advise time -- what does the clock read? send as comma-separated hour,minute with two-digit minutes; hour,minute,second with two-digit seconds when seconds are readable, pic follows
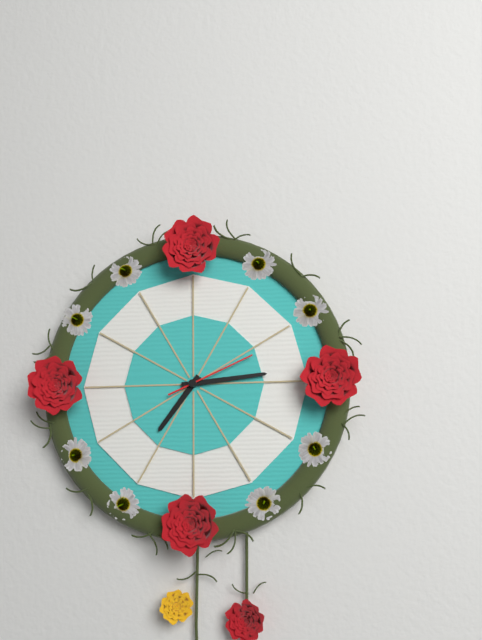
7,14,11
